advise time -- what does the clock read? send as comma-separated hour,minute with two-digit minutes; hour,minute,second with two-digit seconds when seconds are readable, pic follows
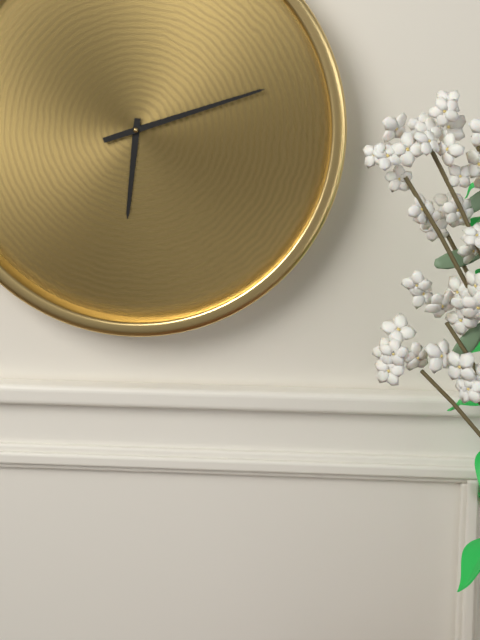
6,12
